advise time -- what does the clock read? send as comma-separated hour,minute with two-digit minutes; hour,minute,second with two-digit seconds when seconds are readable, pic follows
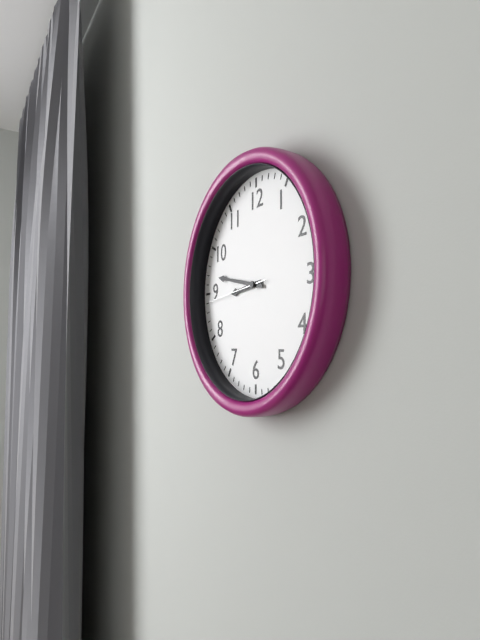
8,47,44
